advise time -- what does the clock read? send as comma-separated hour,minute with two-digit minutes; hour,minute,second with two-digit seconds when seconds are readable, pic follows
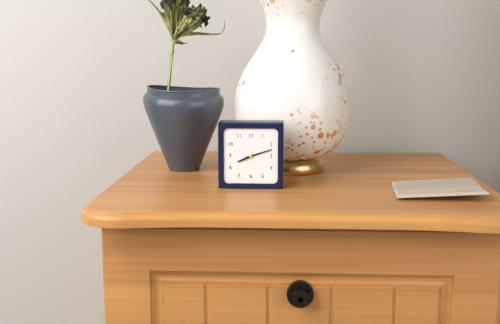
8,12
